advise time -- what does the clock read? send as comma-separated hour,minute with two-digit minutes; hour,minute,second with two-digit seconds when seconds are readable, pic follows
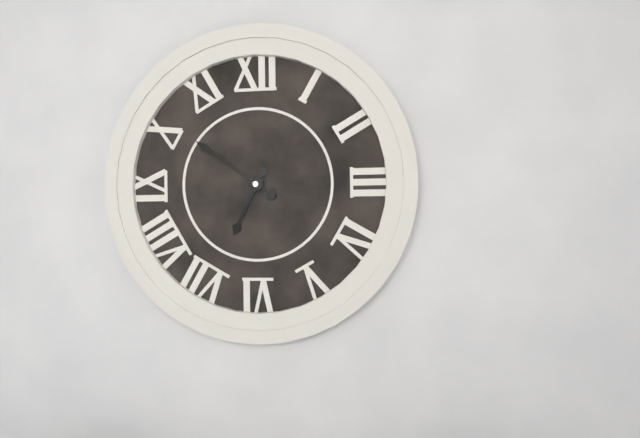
6,51
